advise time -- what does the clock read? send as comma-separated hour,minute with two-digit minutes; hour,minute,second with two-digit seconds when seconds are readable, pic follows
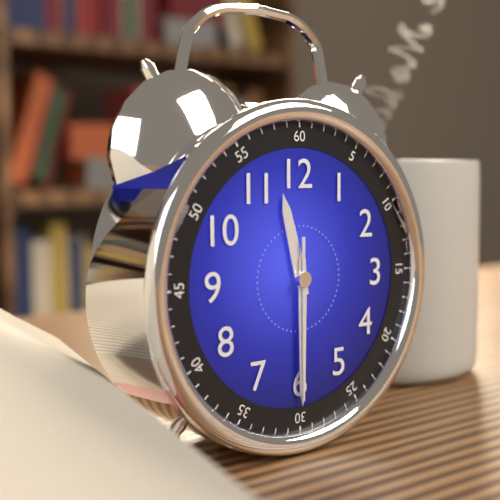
11,30,30
